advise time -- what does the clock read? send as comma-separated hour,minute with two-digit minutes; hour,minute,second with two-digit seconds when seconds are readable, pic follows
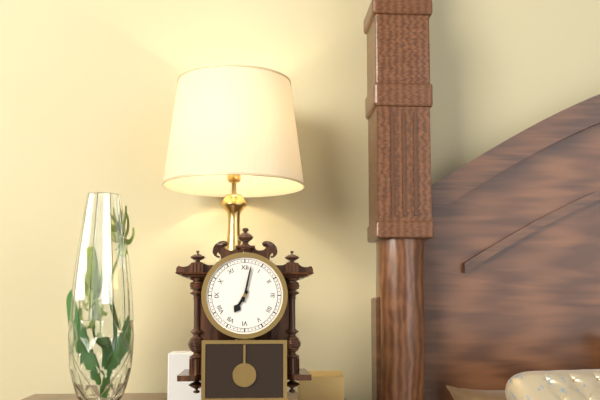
7,02
